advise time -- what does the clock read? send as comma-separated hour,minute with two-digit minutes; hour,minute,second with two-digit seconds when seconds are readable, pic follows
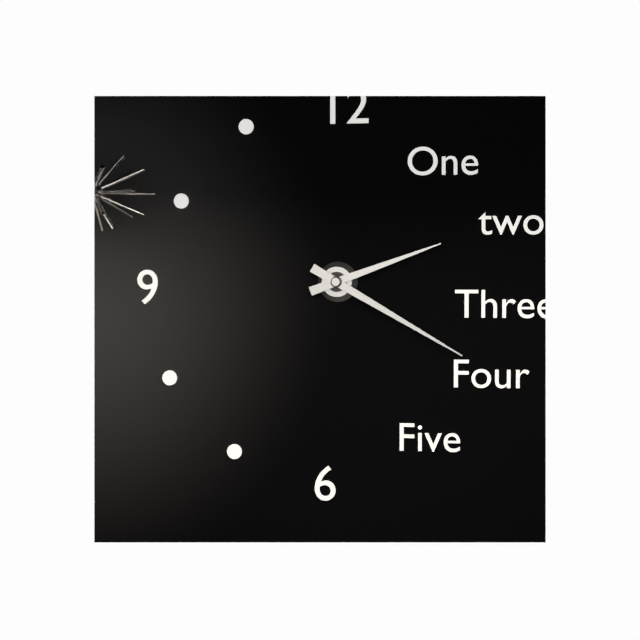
2,20
